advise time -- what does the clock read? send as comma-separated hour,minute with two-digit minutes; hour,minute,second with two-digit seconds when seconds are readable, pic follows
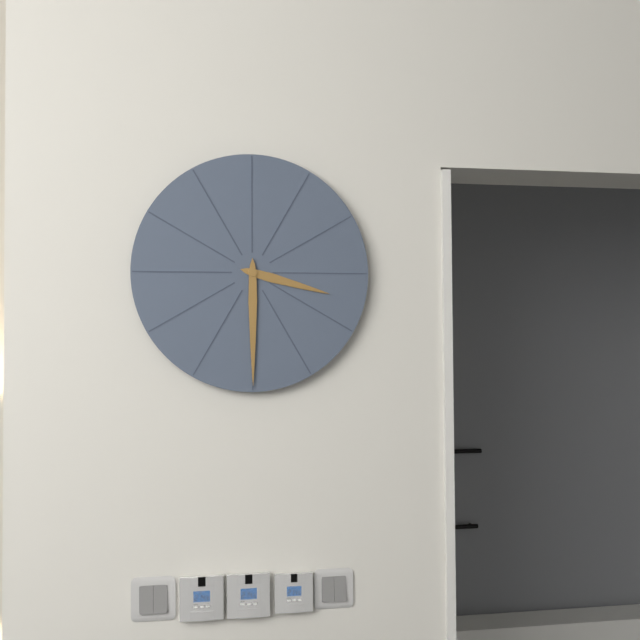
3,30
